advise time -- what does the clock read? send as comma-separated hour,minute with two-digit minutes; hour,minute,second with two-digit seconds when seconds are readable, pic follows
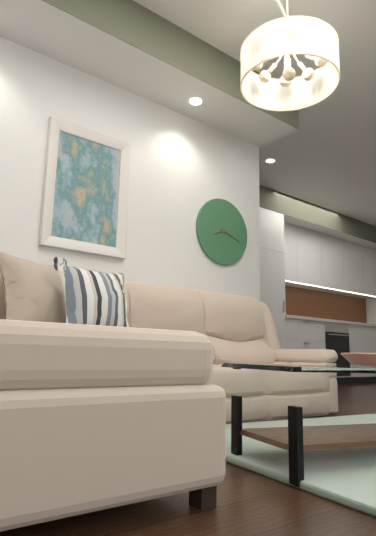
8,18
